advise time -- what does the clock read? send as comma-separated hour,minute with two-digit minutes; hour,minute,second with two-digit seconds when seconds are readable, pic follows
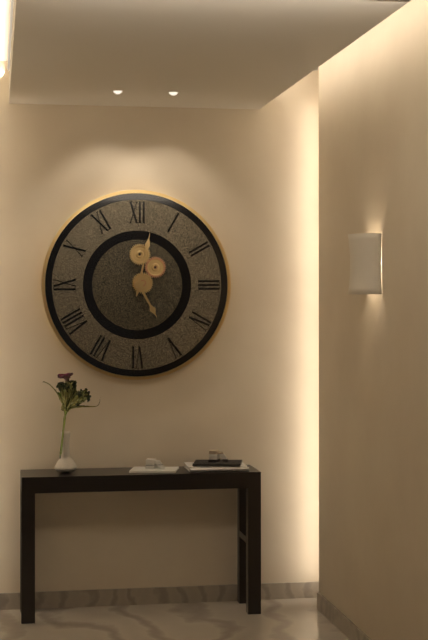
5,02
